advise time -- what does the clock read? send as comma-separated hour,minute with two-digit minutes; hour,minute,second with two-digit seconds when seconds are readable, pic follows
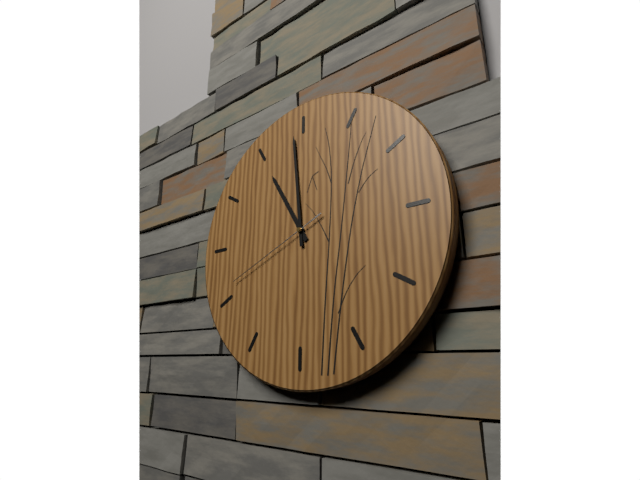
10,59,41
